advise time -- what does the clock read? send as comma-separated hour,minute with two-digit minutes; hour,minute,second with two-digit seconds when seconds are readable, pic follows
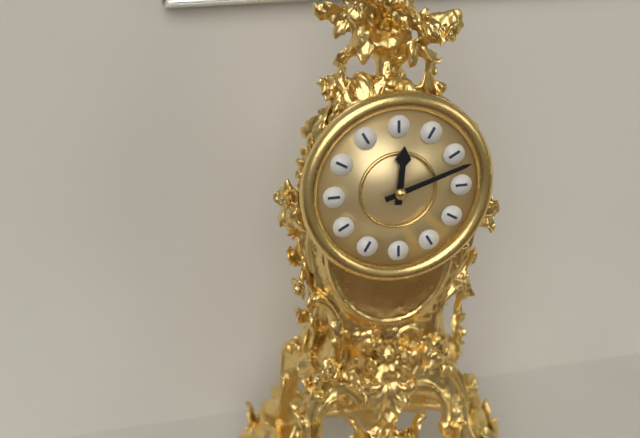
12,12
